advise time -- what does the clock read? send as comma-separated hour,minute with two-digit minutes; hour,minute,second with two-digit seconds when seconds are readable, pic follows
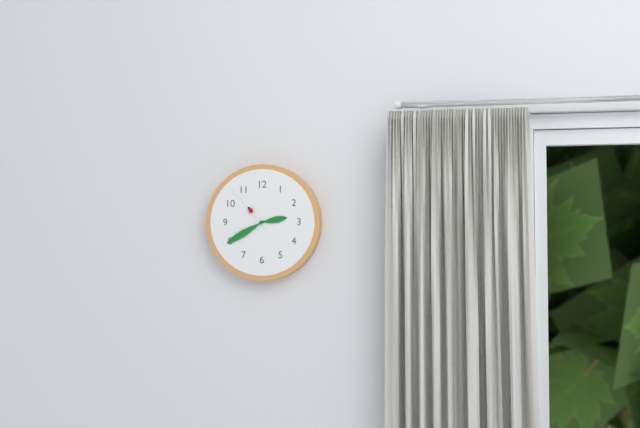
2,40,53
